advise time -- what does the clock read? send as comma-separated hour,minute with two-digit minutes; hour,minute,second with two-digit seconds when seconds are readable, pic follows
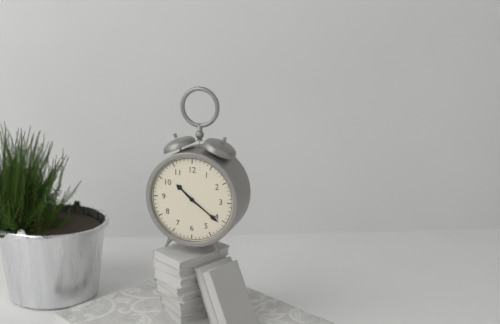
10,21
